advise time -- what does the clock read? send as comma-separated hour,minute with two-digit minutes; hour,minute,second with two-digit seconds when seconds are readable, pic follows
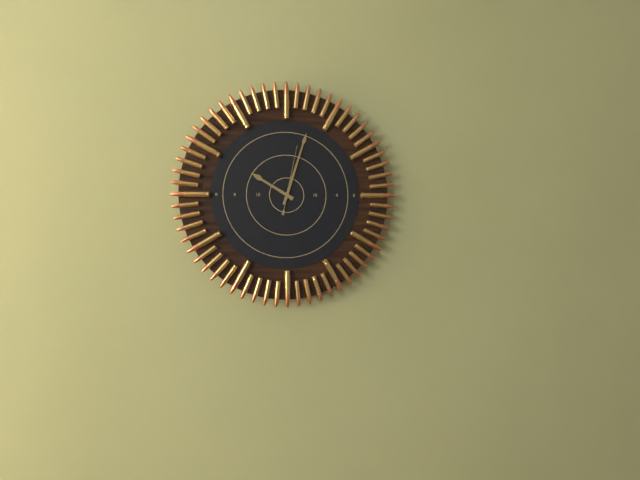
10,03,02
